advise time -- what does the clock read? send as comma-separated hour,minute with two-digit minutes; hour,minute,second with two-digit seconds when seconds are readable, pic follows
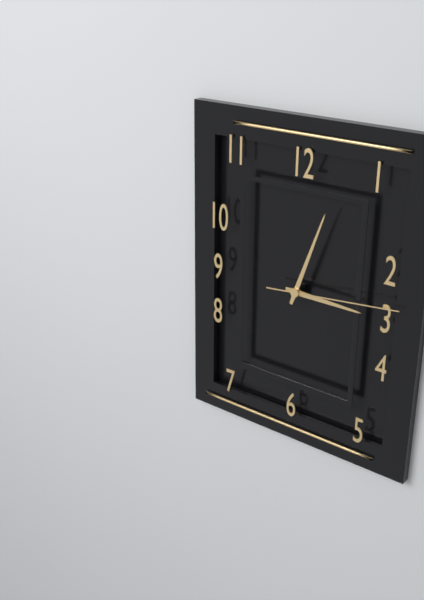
3,03,14
